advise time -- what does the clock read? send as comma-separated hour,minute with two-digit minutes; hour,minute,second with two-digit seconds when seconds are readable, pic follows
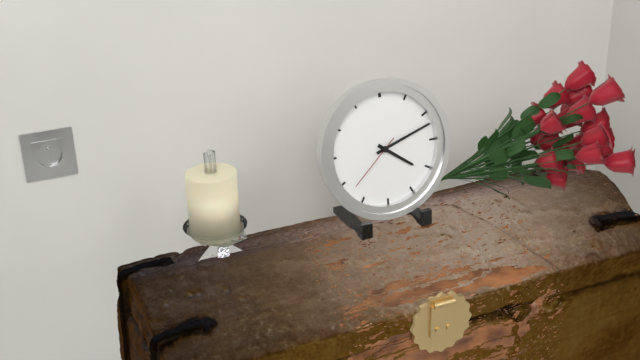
4,12,38
